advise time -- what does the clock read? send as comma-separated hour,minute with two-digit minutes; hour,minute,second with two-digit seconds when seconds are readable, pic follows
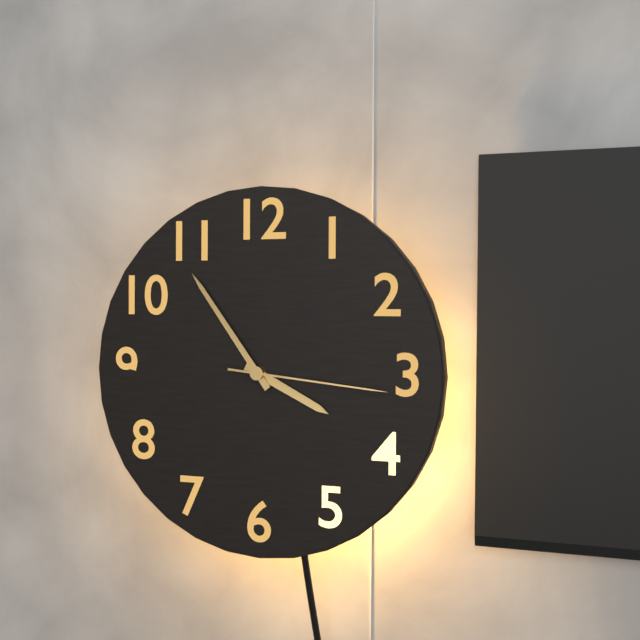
3,54,16
